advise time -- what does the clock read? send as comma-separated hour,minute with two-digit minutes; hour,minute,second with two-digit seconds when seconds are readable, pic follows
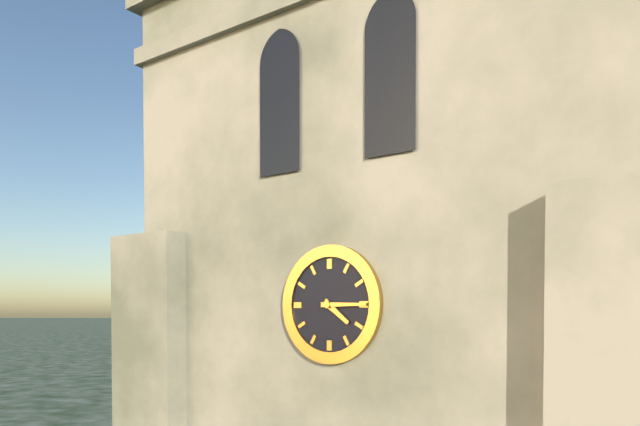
4,15
